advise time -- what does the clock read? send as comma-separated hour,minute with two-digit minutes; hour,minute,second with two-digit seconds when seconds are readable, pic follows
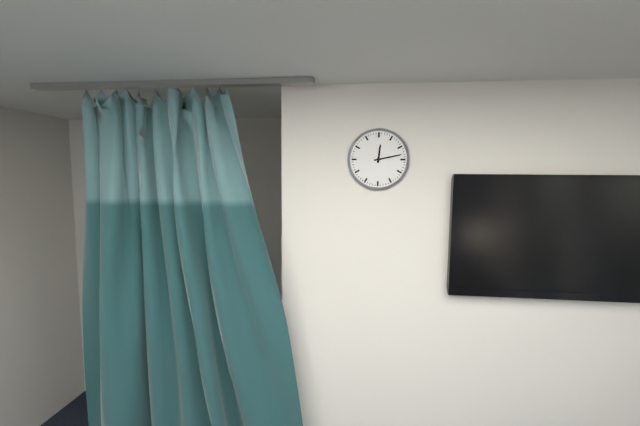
12,13
